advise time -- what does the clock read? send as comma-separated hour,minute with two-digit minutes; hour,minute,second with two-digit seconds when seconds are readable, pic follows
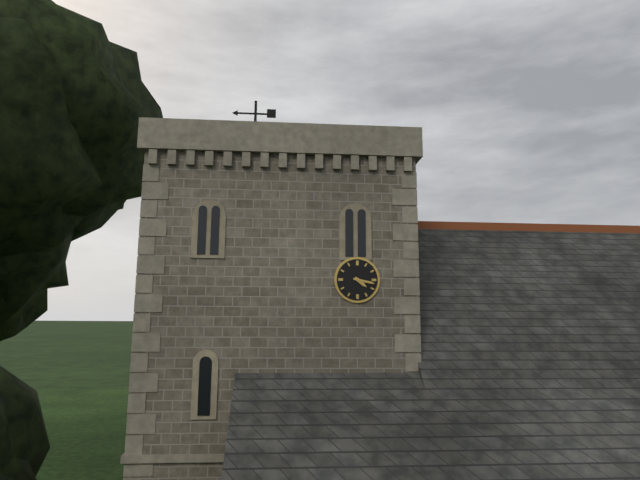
4,17
